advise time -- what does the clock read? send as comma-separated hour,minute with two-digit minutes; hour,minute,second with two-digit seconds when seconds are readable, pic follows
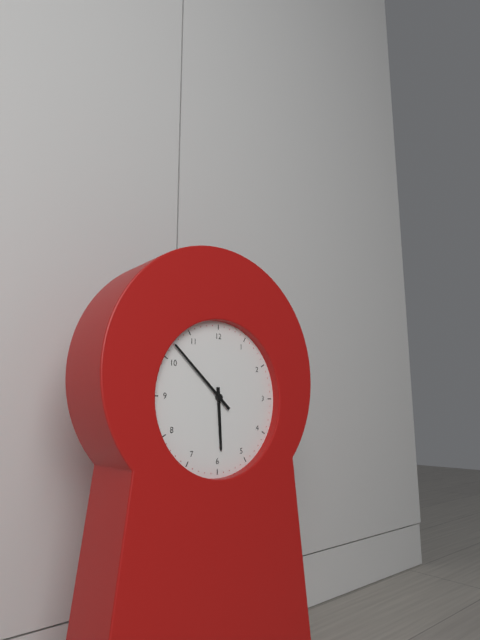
5,52
